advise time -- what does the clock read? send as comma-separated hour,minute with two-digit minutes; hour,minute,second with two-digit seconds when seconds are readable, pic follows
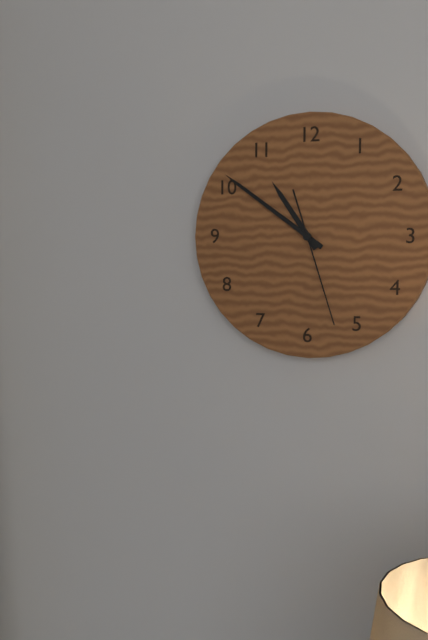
10,51,27
